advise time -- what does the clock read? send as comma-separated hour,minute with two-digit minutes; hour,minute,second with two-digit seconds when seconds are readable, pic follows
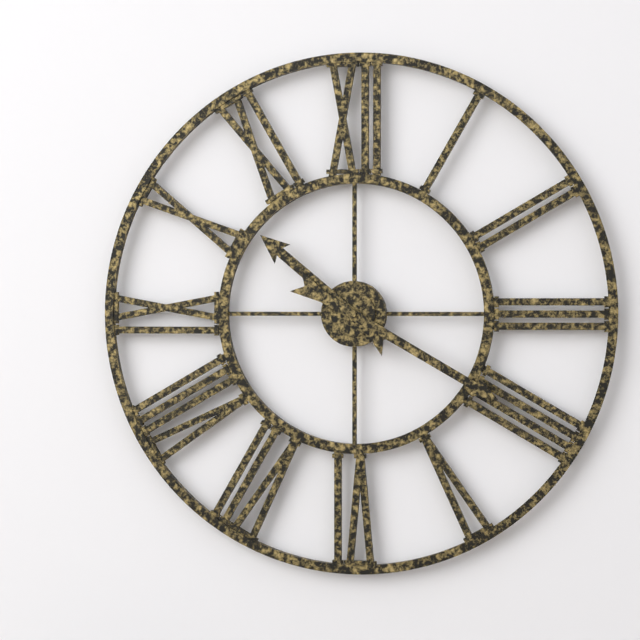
10,20
